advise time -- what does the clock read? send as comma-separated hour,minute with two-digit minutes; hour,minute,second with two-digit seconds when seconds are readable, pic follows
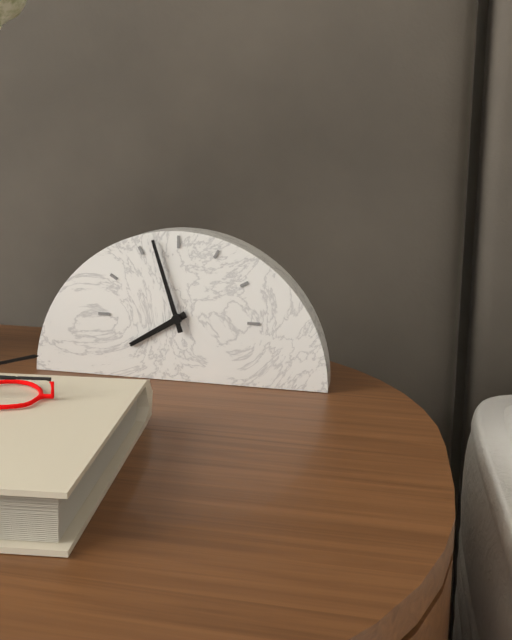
7,57
